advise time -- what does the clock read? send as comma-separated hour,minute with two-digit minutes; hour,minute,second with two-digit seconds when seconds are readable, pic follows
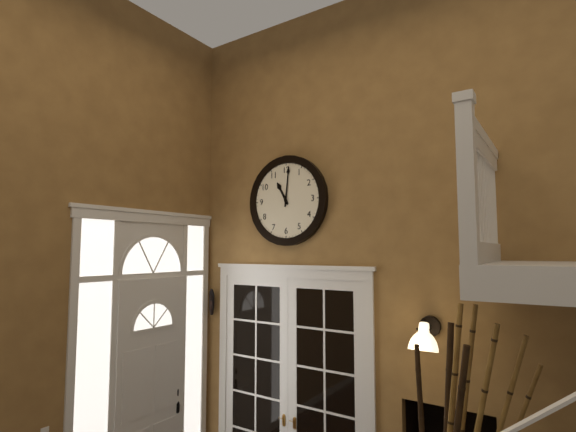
11,01
